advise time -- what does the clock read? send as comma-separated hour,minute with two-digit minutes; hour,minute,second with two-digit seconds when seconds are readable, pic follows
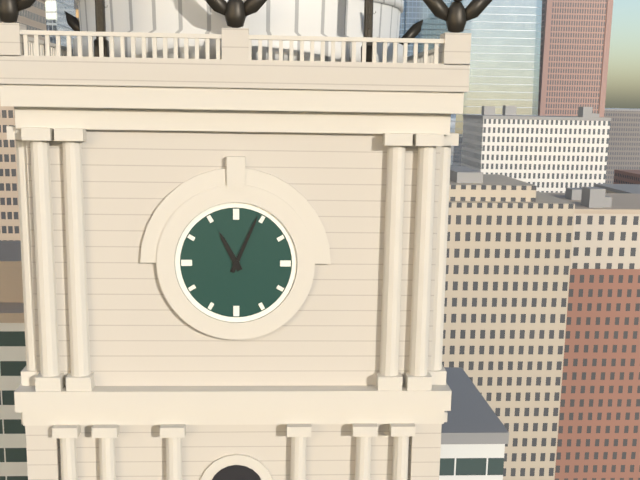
11,04
